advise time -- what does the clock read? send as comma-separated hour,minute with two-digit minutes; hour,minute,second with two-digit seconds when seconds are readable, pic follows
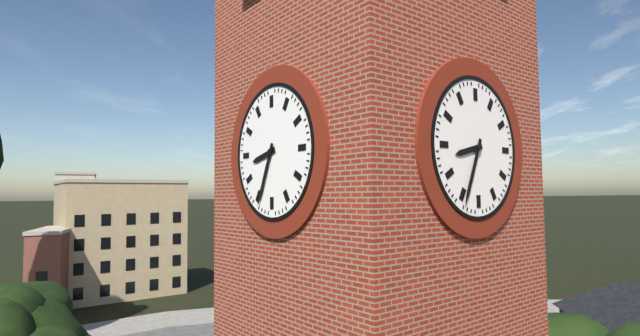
8,34
